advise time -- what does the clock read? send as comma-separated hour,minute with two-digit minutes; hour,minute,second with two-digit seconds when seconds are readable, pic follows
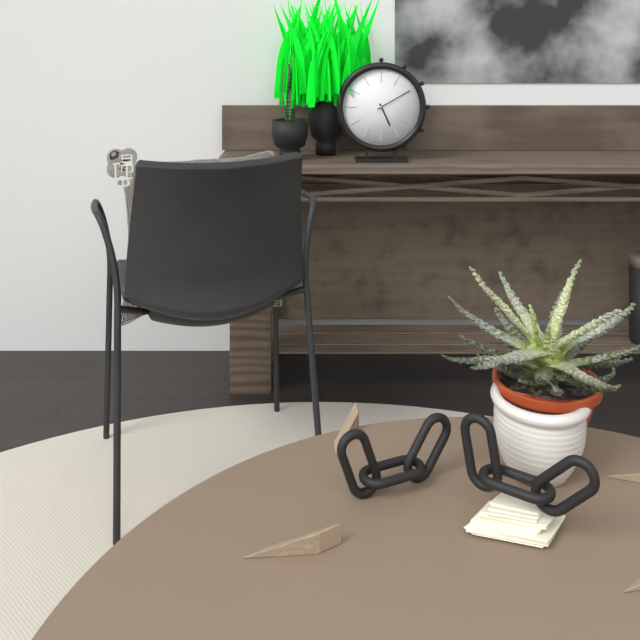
5,10
